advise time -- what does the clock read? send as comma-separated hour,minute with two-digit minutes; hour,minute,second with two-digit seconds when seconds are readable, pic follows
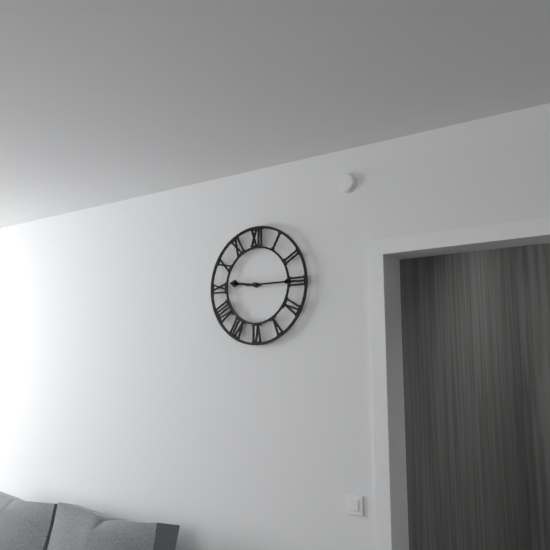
9,15
